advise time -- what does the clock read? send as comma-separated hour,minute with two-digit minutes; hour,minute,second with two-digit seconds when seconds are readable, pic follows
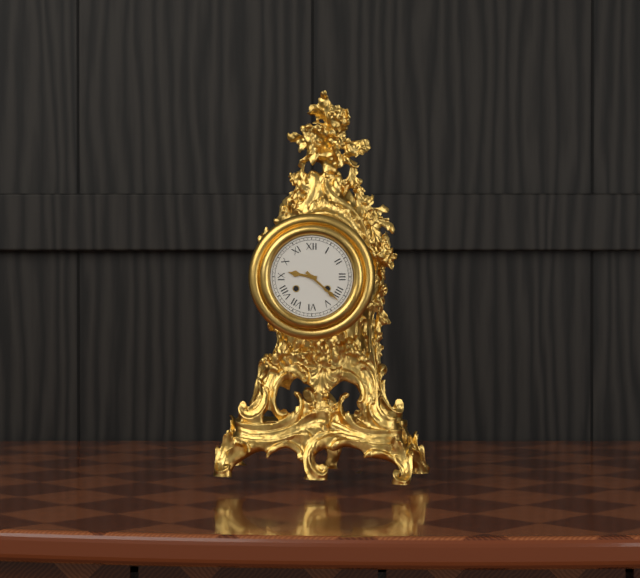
9,22
